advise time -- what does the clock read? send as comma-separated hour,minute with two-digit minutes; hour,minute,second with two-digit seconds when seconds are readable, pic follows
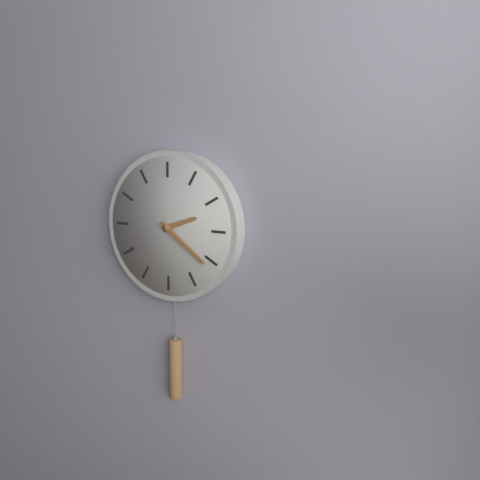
2,21
